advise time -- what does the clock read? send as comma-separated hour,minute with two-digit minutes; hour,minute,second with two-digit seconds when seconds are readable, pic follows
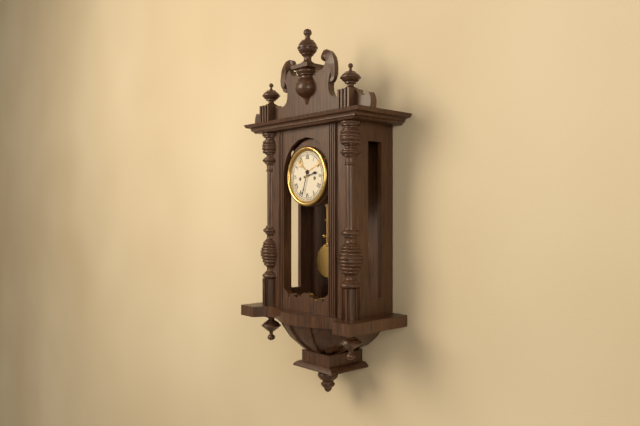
2,33
